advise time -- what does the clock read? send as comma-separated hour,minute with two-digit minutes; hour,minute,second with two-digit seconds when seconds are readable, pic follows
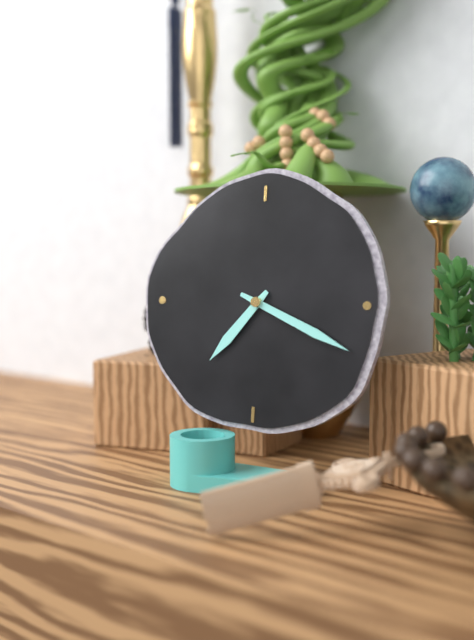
7,19
